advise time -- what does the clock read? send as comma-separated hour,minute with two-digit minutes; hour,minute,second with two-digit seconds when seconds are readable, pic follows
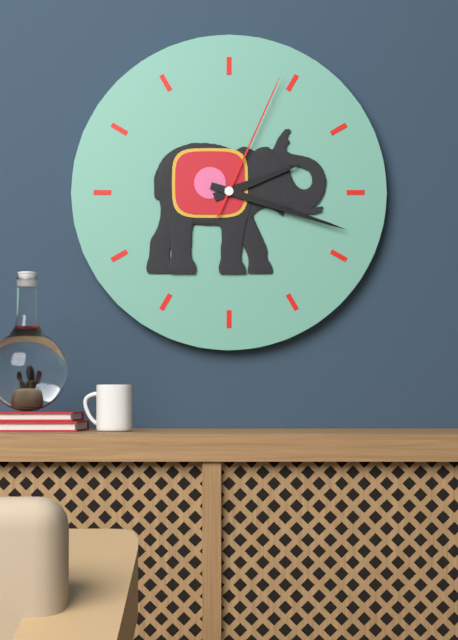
2,18,04
